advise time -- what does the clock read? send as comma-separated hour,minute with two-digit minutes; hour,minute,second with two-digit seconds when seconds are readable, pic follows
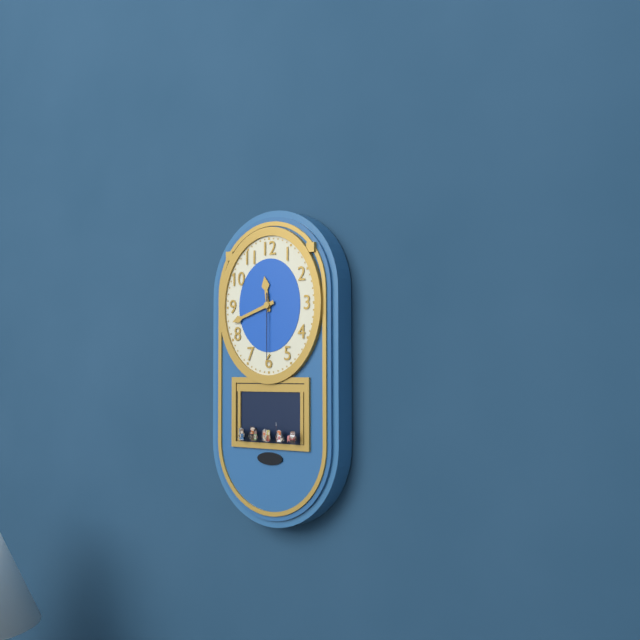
11,42,30
